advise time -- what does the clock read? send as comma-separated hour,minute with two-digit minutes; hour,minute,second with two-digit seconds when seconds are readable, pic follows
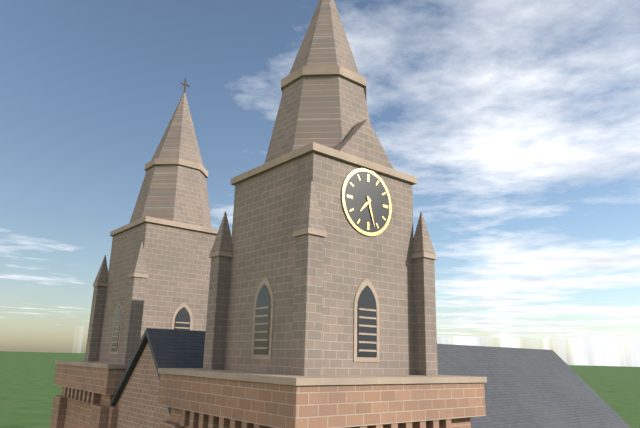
7,27
